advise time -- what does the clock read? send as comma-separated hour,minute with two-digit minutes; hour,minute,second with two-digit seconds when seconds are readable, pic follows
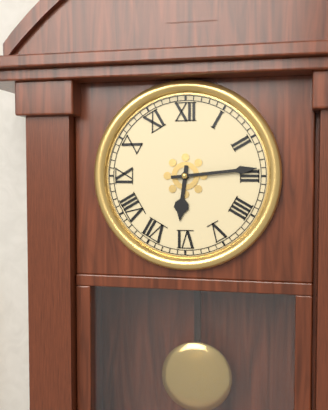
6,14
